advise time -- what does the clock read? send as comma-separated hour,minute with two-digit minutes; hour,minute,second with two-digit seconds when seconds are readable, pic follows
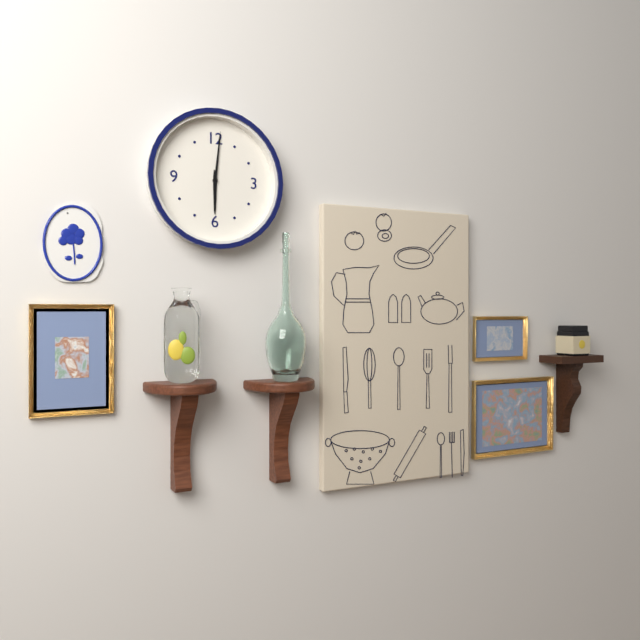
6,01
